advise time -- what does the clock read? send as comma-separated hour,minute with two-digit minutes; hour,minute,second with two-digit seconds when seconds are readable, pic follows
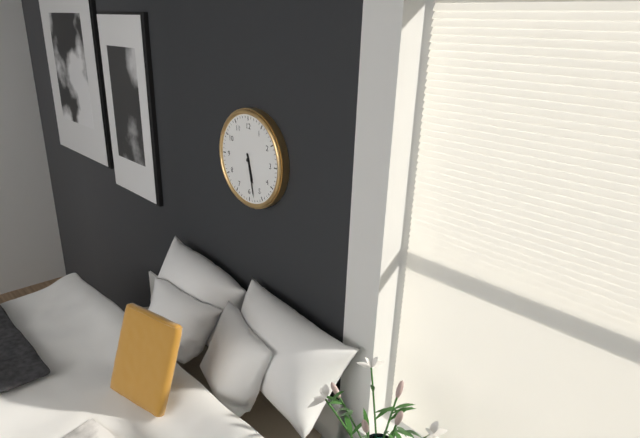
5,28
